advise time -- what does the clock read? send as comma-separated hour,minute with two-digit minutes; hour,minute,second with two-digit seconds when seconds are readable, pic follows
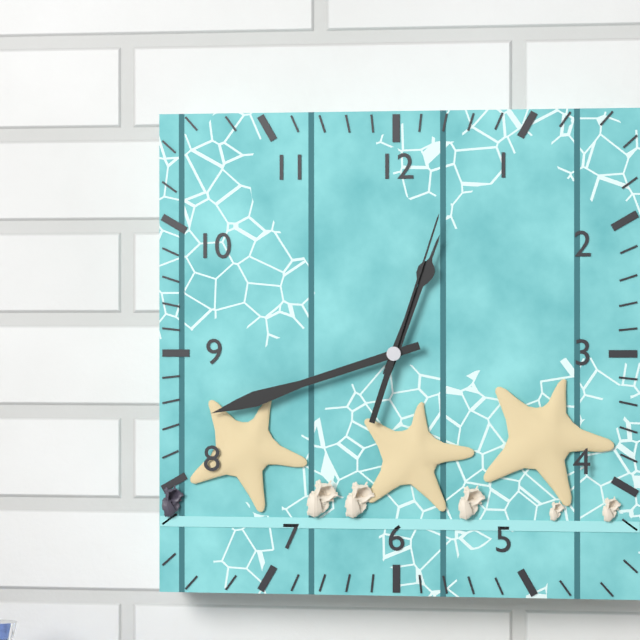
12,42,03
